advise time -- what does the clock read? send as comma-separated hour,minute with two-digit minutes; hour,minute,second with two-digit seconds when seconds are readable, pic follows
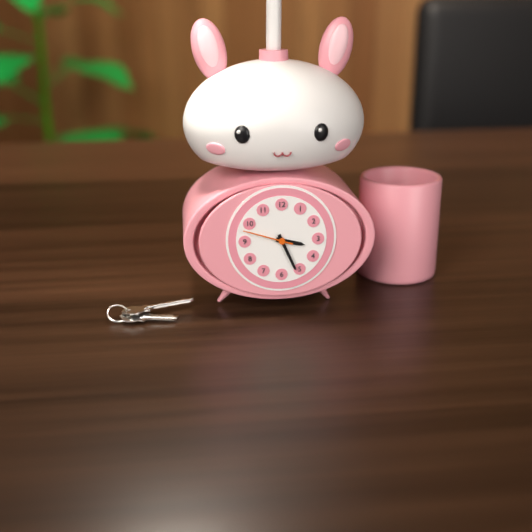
3,26,48
